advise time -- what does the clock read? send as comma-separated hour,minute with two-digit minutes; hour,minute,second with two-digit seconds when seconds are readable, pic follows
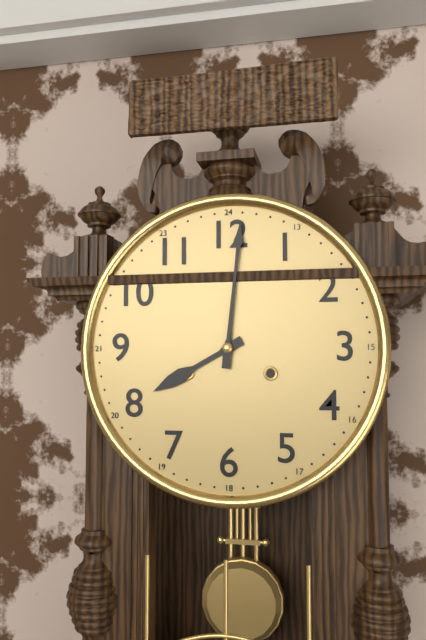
8,01
